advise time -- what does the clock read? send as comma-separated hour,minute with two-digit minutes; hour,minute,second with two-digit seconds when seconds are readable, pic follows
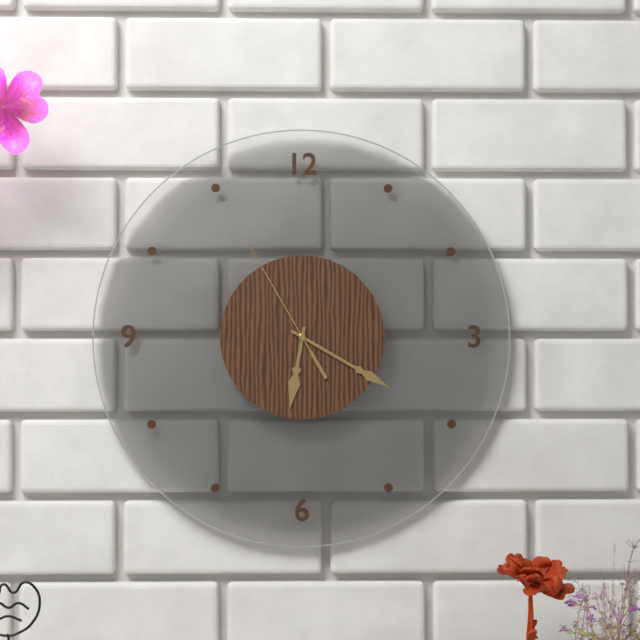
6,20,55
